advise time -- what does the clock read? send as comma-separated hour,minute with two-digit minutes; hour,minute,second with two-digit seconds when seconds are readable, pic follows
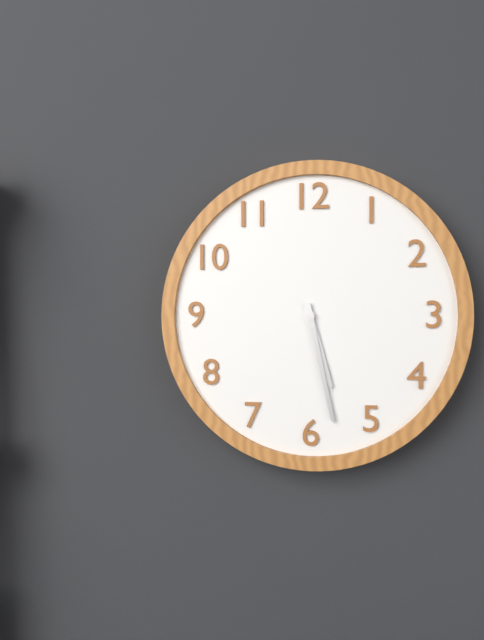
5,28
